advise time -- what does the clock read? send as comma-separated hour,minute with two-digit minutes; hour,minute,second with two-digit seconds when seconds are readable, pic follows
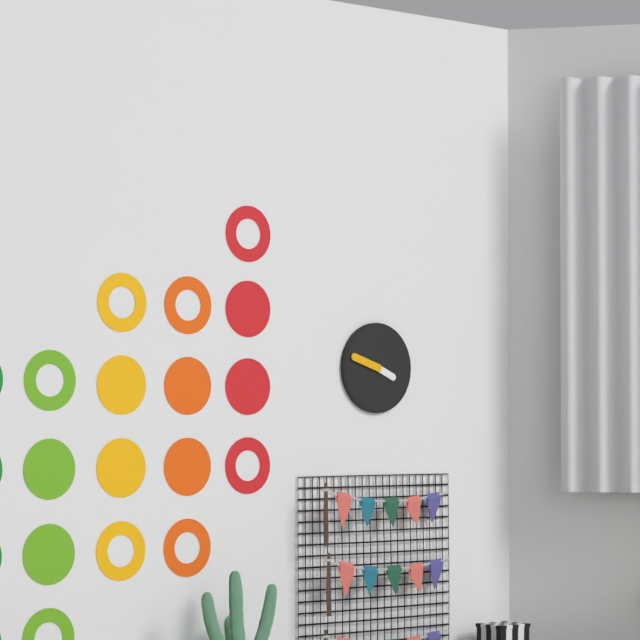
3,48
